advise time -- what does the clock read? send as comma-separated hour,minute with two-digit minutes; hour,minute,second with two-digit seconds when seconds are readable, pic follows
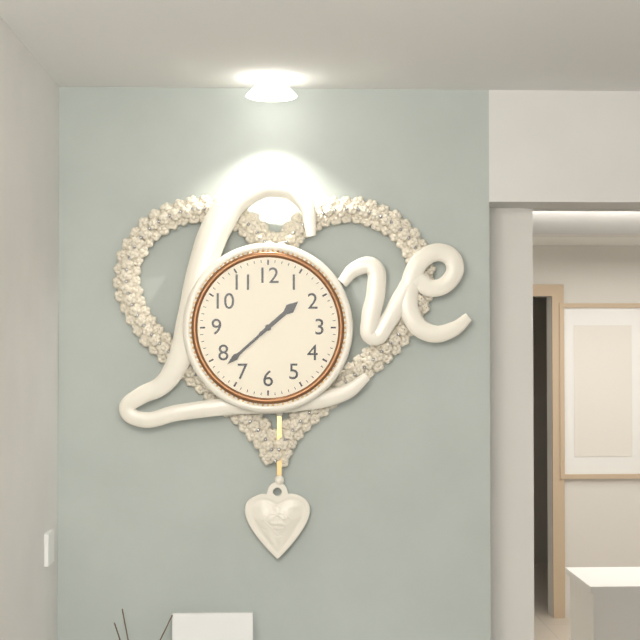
1,38
